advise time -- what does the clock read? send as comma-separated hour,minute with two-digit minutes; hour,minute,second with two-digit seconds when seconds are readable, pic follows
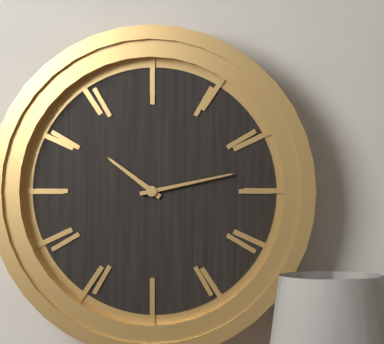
10,13
